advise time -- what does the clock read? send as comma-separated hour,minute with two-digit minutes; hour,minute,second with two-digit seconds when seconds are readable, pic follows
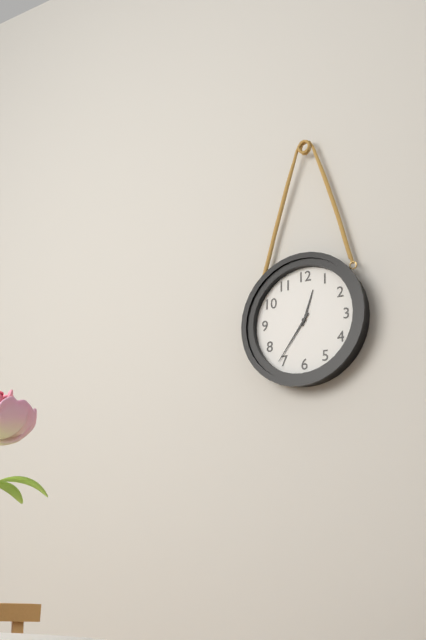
12,36
